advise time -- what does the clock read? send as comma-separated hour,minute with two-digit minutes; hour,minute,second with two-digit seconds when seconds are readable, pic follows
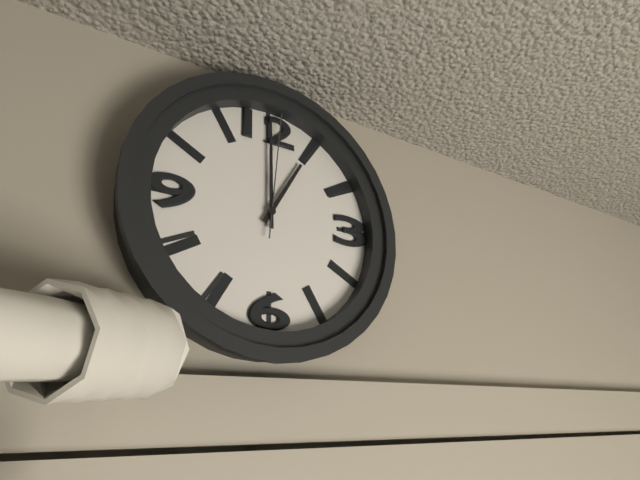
1,00,01
